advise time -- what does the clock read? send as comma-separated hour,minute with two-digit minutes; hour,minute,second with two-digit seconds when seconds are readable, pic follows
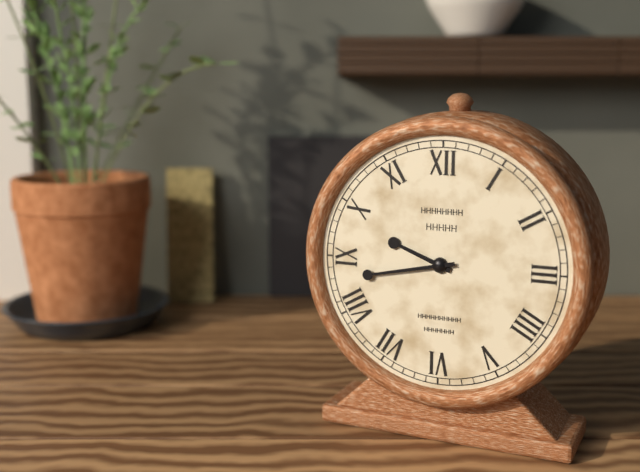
9,43
